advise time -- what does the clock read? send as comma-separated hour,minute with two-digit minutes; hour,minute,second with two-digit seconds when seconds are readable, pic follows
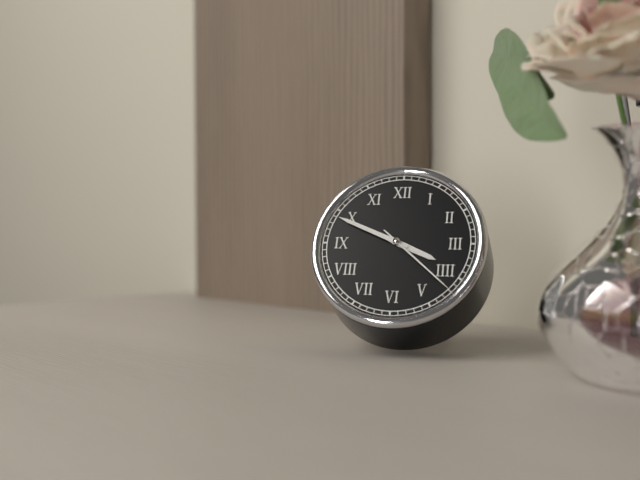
3,49,22
